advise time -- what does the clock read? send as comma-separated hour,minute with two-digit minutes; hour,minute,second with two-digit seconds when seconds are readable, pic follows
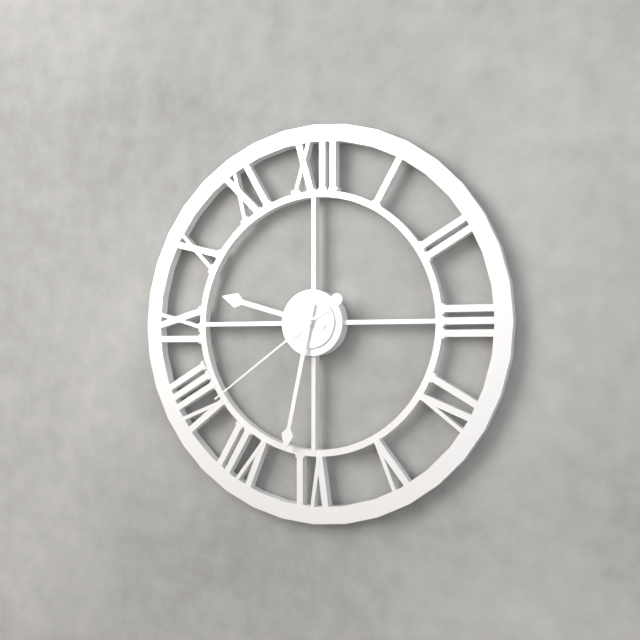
9,32,39
